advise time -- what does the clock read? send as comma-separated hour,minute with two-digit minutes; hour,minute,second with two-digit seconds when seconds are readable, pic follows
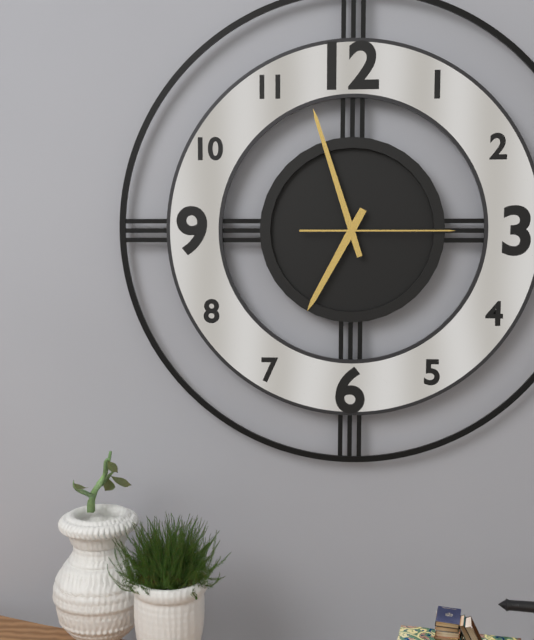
6,57,15
